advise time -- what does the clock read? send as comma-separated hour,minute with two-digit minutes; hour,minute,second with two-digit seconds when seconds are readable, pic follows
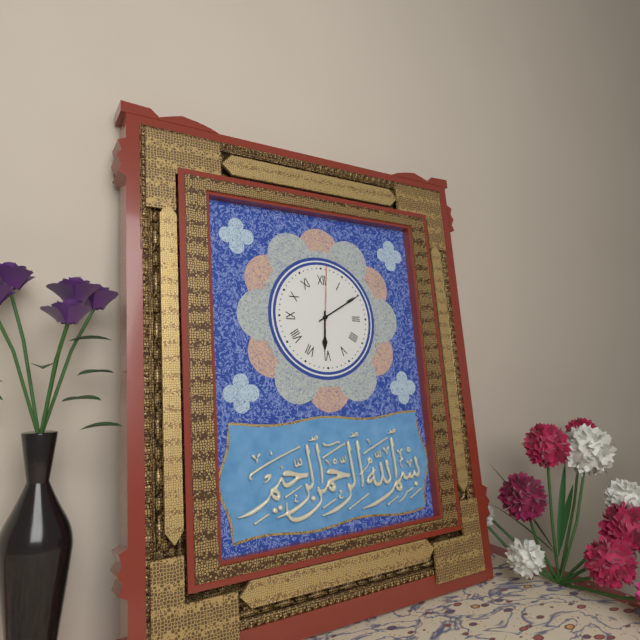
6,10,01
